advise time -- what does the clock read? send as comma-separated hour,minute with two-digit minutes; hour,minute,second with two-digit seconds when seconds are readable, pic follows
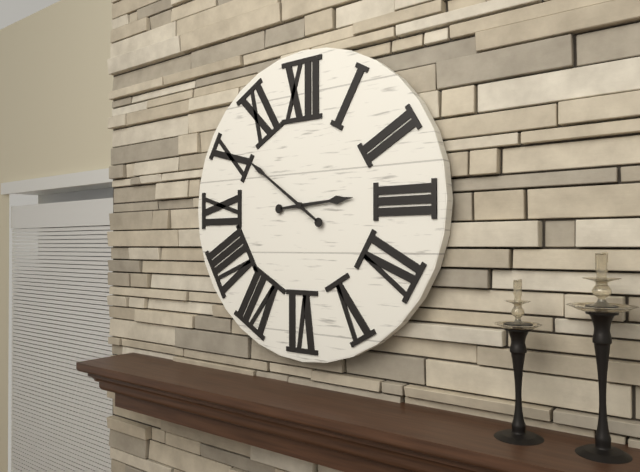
2,51
